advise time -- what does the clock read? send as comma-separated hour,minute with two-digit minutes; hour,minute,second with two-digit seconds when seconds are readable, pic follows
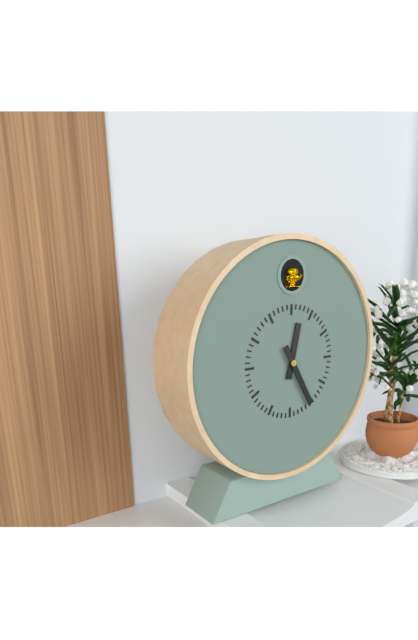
12,25
